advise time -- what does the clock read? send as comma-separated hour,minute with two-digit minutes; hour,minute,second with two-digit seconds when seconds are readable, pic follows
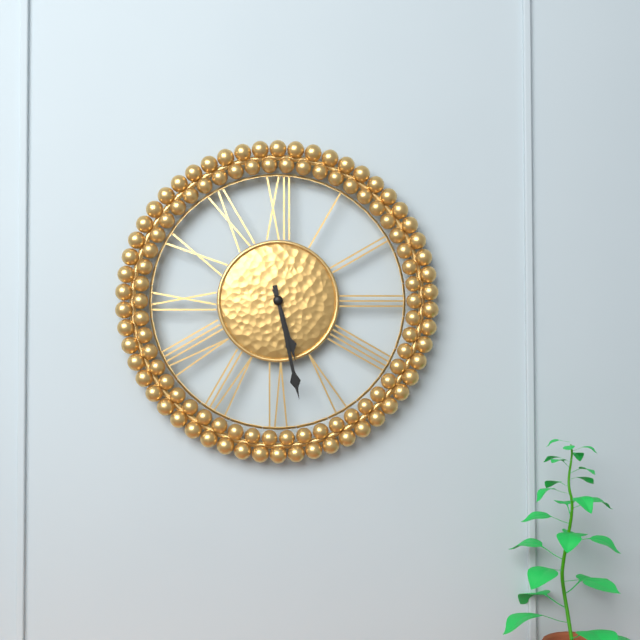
5,28
